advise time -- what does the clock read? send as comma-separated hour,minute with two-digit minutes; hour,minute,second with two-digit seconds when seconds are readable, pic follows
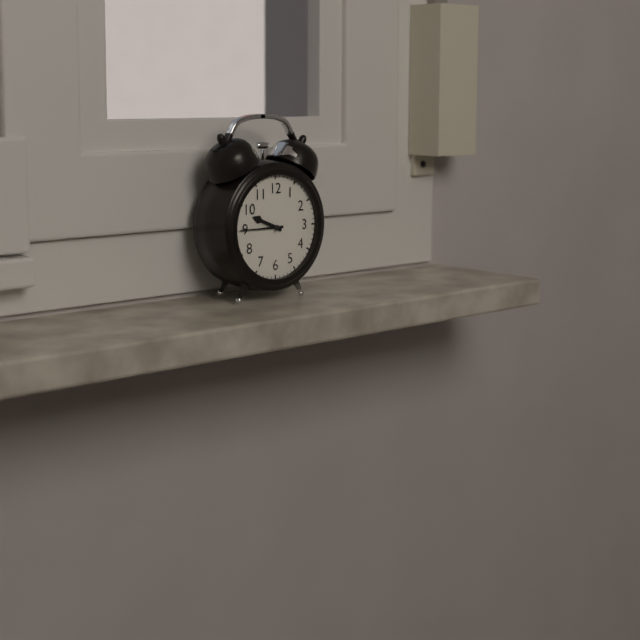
9,45
